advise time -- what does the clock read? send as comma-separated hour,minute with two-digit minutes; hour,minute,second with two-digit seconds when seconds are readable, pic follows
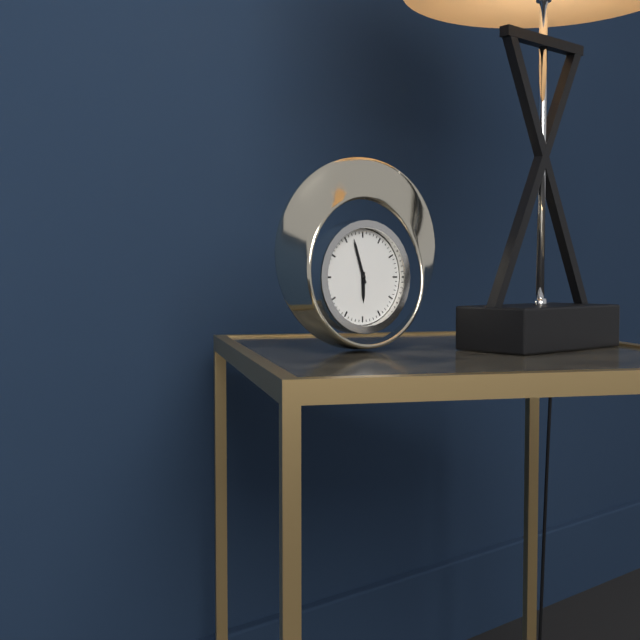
5,57
